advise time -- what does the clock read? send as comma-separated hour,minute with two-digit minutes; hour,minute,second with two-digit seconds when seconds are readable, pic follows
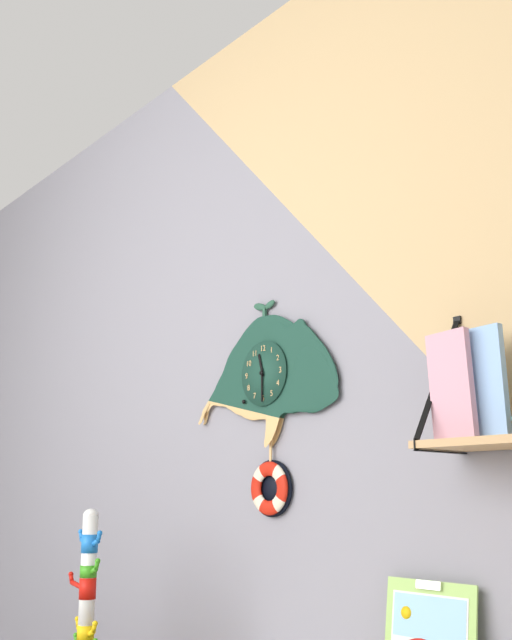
11,30
